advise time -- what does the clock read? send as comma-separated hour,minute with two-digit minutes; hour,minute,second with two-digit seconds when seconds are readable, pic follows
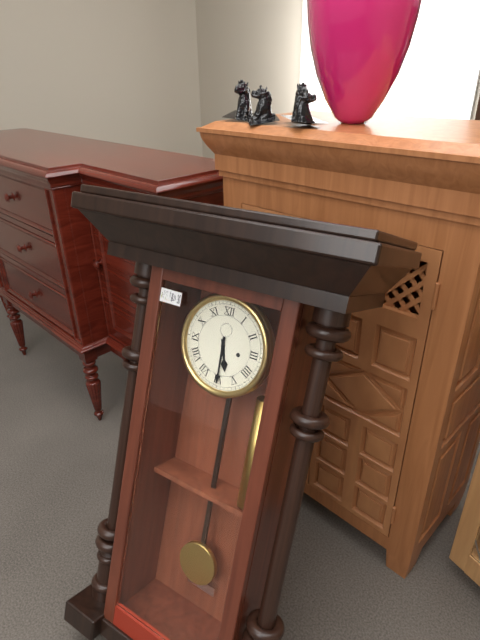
5,30
